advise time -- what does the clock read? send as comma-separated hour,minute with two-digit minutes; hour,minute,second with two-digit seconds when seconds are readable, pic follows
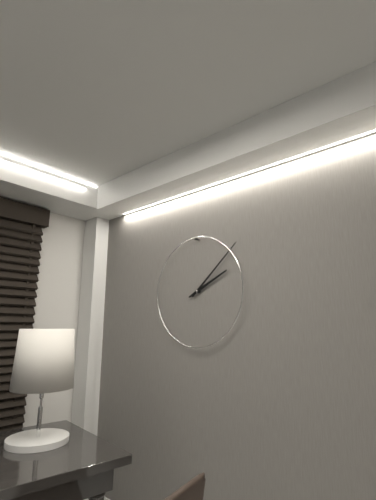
2,08
